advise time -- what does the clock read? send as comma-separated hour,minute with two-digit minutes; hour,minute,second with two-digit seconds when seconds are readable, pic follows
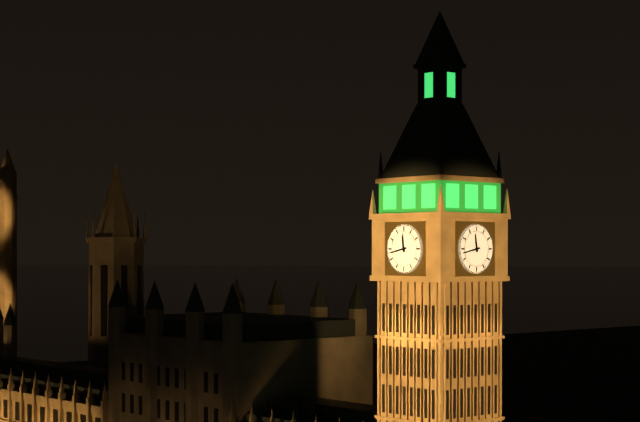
11,43
